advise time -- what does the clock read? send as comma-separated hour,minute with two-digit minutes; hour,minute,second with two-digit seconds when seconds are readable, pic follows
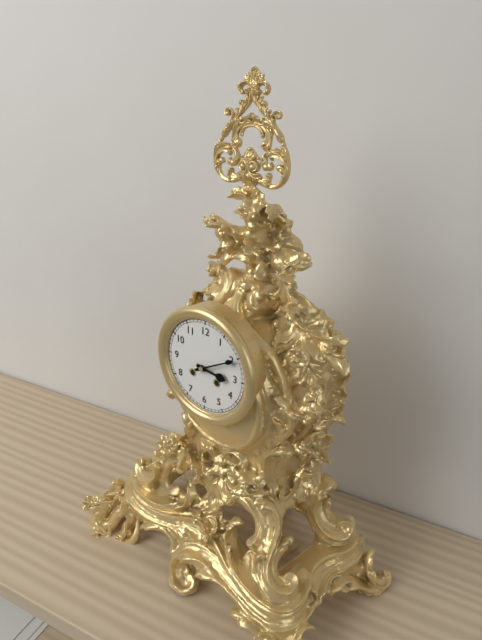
3,10
